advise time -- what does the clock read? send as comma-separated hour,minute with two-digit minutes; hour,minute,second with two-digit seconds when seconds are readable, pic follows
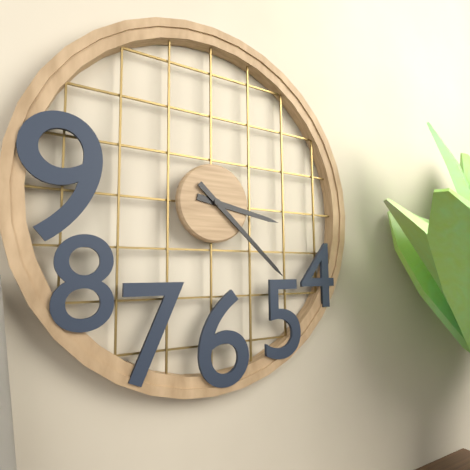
3,22
